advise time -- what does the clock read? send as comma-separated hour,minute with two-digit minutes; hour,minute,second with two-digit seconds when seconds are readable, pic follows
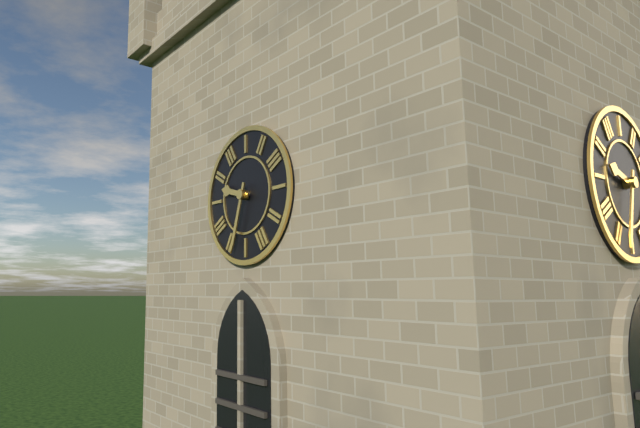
9,33
